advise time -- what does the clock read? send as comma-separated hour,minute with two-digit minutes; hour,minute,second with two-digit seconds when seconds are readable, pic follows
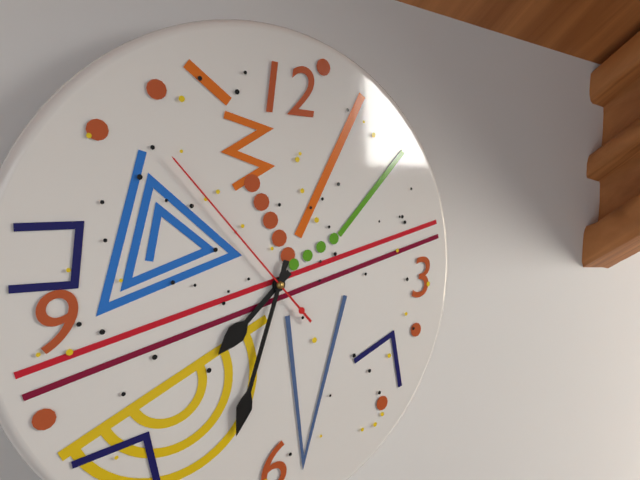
7,33,53
